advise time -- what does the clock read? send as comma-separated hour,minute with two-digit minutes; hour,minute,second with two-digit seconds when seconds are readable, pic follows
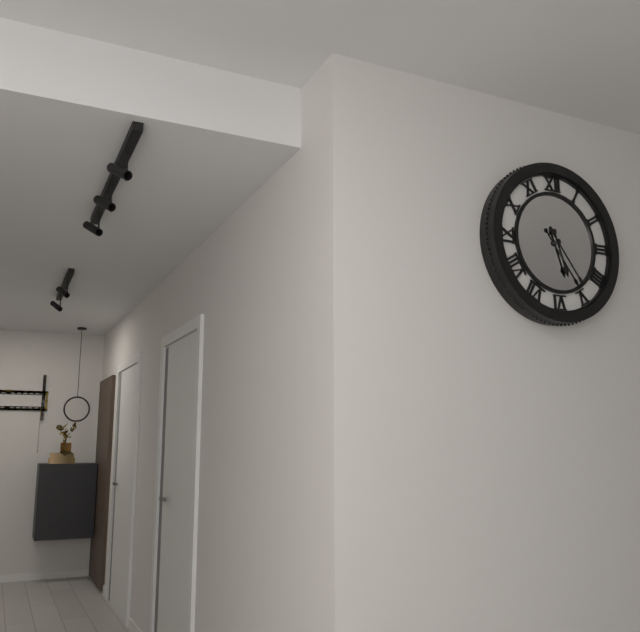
5,24
